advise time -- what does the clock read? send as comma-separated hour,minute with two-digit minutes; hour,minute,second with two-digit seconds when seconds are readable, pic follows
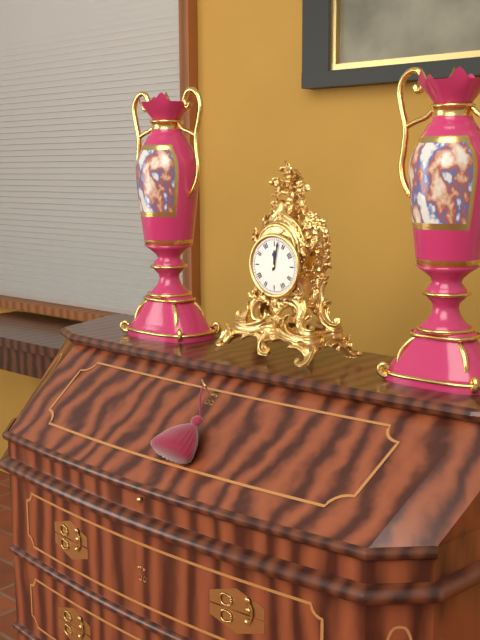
12,02
